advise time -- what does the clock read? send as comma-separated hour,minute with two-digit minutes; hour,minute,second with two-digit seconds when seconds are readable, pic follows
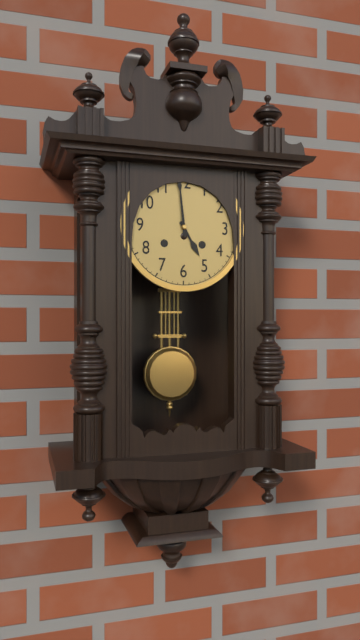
4,59
